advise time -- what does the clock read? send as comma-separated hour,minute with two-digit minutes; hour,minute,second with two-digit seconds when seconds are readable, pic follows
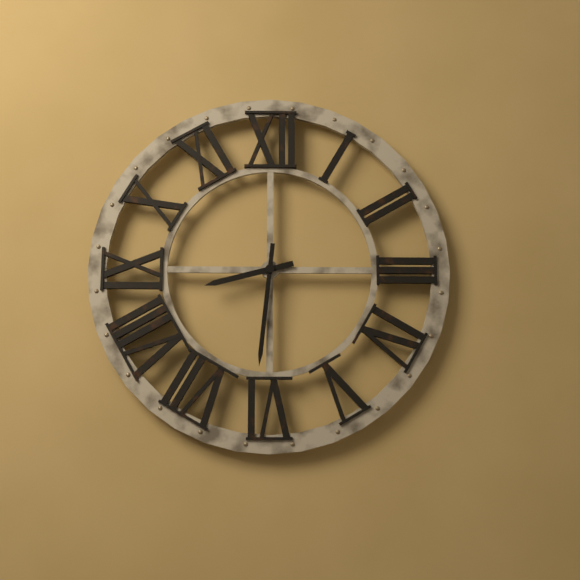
8,31
